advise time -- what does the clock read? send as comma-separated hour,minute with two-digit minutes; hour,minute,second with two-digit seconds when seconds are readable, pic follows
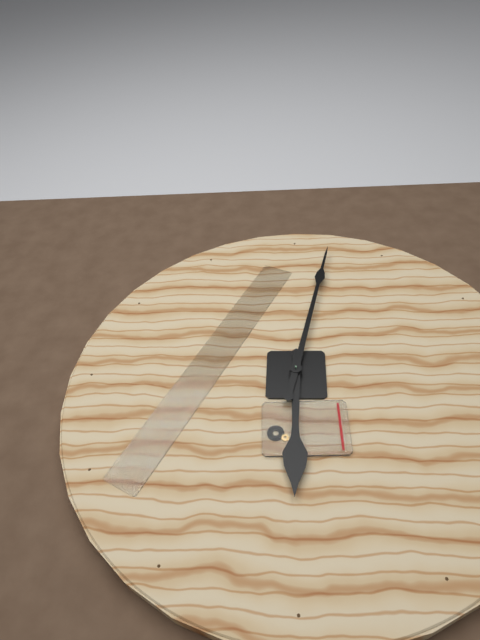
6,02
